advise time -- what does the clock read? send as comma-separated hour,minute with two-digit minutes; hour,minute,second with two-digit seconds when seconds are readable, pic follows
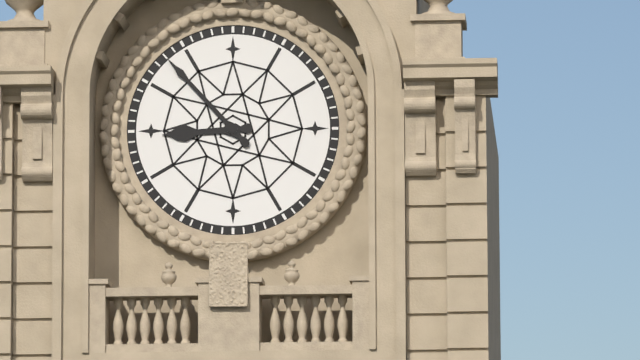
8,53
